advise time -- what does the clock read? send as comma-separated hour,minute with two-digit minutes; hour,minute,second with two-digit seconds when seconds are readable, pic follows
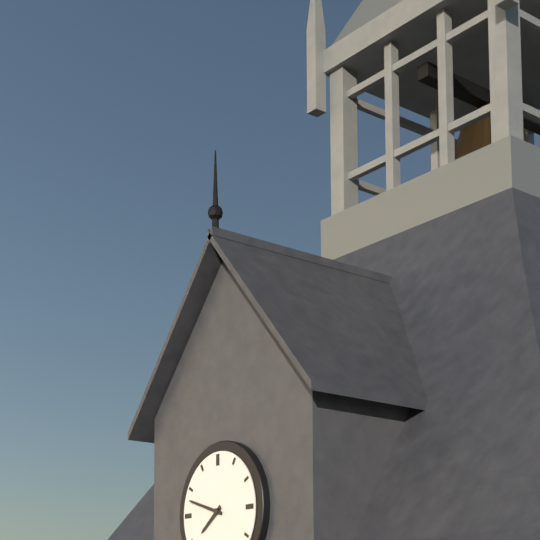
7,48
